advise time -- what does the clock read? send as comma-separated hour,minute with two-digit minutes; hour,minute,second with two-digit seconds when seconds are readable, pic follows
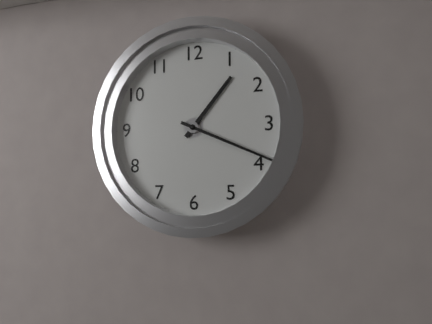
1,19
